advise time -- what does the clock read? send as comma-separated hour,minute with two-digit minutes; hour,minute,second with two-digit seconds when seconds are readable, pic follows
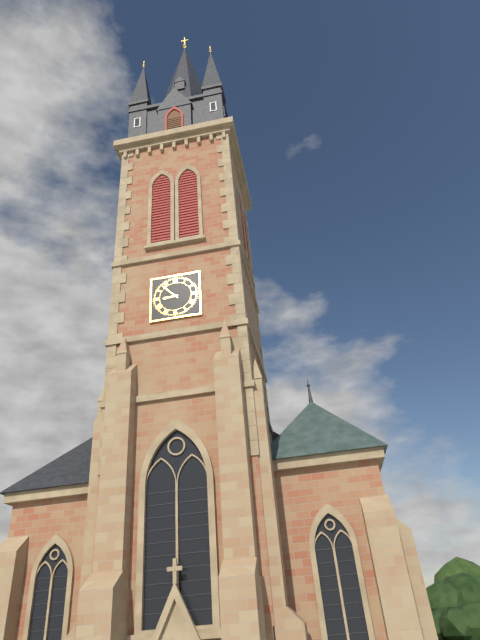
8,53
